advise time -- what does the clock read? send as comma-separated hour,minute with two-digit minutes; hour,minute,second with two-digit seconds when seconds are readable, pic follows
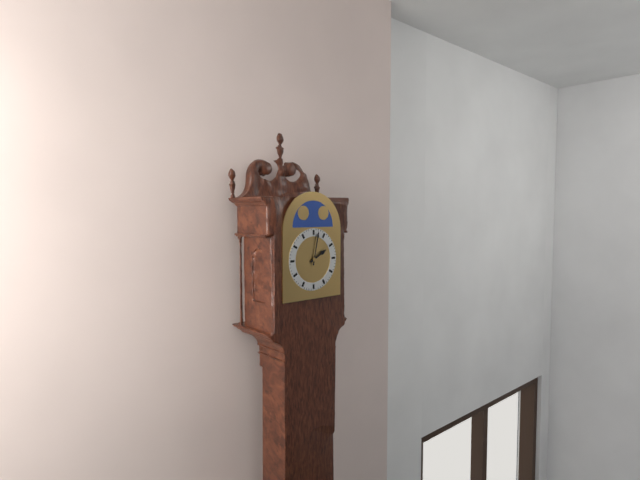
2,02
